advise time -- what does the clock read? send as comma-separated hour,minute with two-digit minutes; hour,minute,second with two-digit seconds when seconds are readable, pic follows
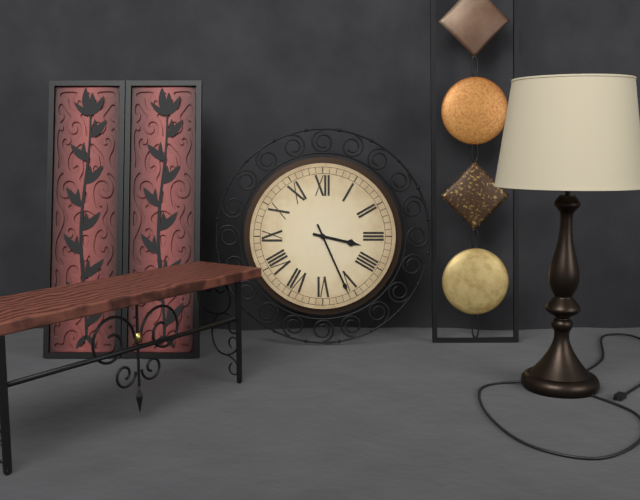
3,26
